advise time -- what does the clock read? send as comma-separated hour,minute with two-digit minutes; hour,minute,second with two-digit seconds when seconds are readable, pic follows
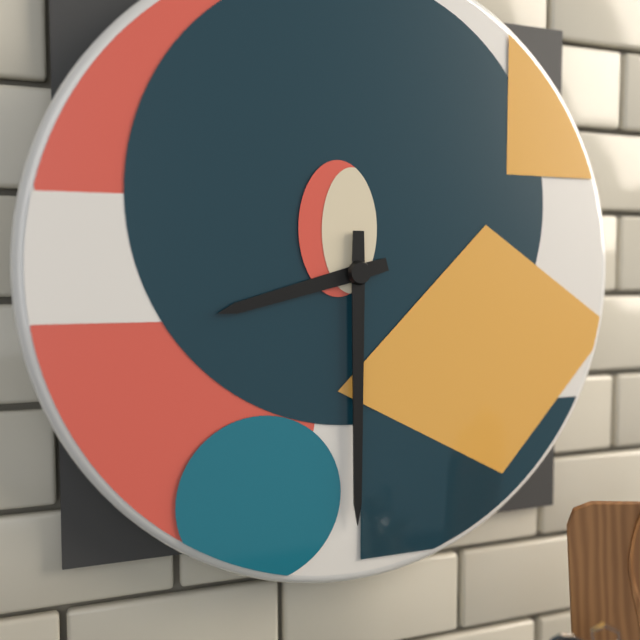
8,30
